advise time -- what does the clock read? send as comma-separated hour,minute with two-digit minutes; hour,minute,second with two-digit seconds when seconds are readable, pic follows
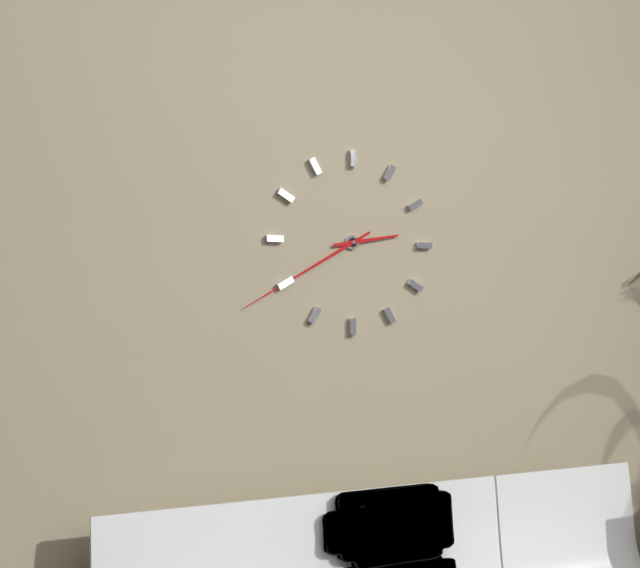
2,40
